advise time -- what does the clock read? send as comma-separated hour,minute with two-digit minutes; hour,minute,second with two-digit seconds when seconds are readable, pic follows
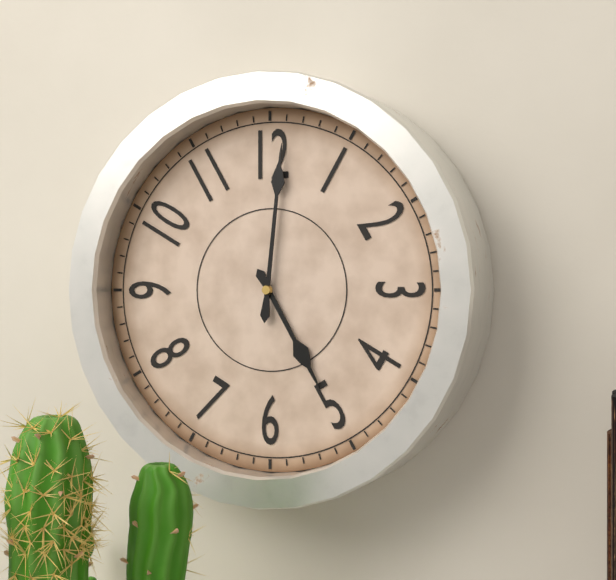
5,01
